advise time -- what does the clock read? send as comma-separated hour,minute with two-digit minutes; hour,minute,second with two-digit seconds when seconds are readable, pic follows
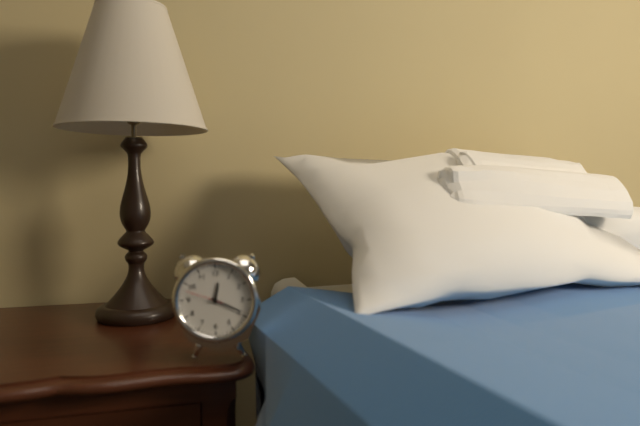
12,19
